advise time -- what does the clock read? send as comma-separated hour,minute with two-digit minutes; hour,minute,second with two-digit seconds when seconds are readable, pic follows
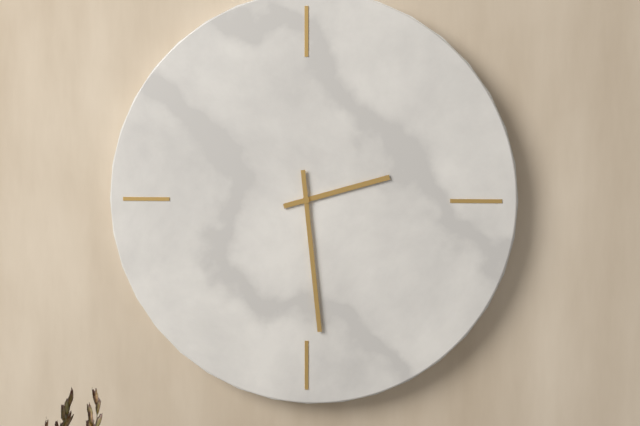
2,29
